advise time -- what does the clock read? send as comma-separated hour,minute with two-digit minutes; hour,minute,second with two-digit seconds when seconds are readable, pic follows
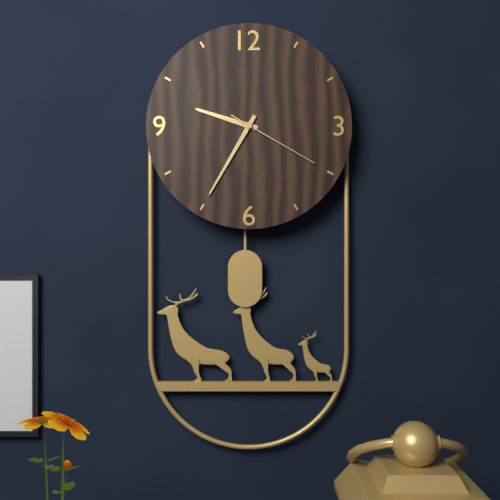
9,35,20
